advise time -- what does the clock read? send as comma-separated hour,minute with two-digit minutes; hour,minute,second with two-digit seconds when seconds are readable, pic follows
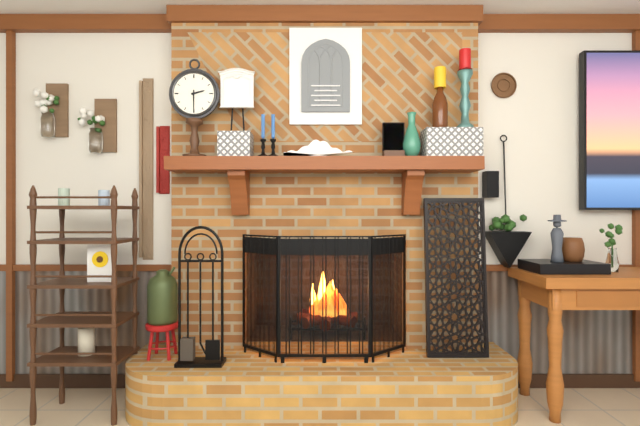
2,30
